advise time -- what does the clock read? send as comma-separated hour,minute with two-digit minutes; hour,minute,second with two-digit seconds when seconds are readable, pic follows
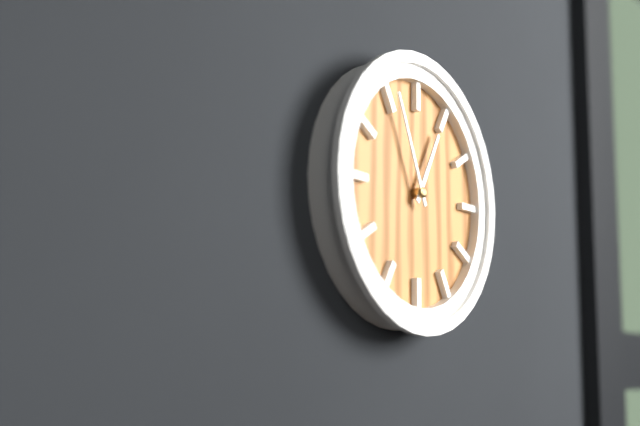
12,56
